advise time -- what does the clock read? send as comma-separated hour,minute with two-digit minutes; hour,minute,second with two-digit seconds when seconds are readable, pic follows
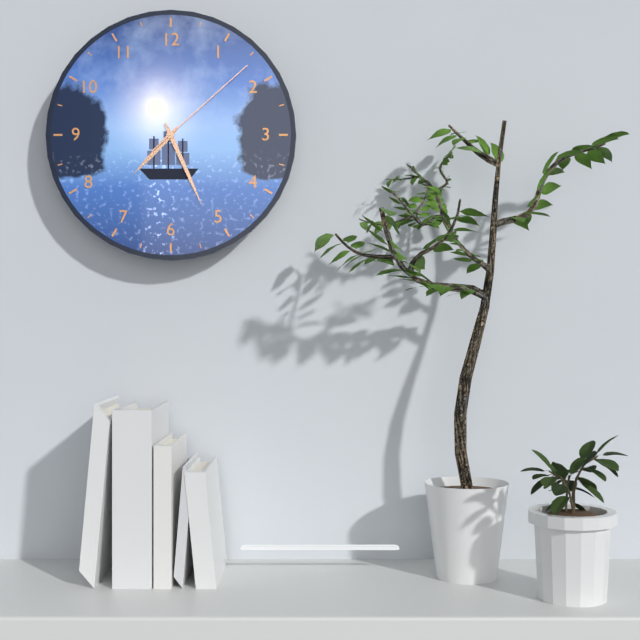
7,26,08
